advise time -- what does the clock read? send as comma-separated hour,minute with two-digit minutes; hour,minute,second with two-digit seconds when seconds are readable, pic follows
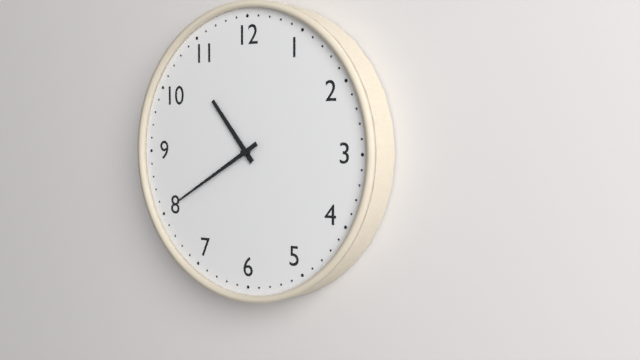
10,40
